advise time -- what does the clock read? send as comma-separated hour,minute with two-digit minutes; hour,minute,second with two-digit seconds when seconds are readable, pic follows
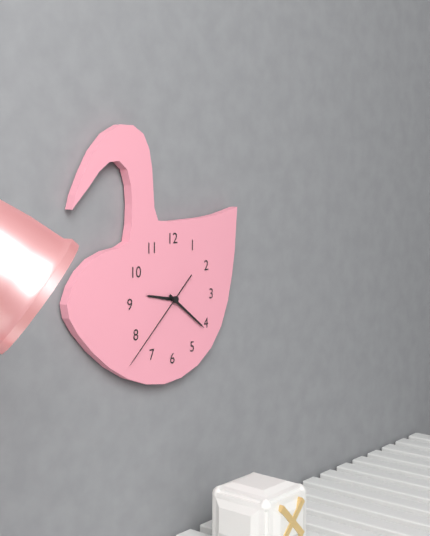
9,21,38
